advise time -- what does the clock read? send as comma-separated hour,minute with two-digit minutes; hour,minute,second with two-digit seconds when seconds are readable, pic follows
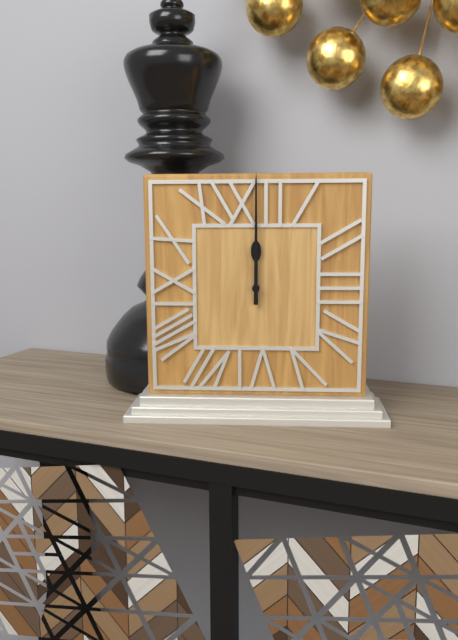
12,00
